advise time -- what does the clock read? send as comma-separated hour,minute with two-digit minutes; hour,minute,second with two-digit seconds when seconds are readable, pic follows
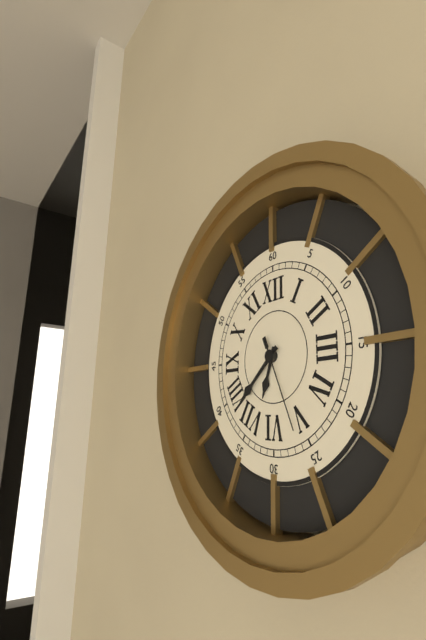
6,38,26
